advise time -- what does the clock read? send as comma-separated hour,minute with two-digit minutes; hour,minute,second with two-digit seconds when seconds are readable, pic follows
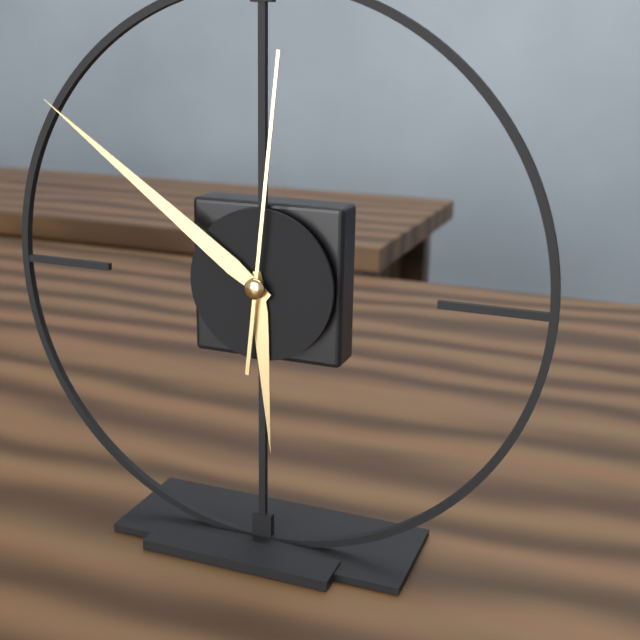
5,51,01
